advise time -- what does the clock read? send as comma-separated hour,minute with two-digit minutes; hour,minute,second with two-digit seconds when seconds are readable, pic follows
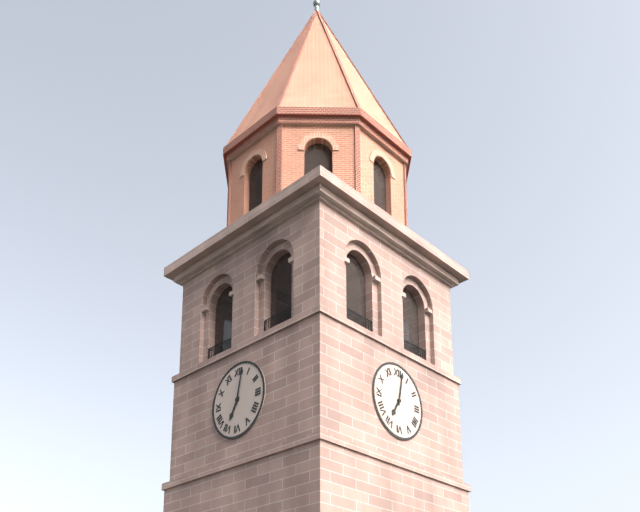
7,02
